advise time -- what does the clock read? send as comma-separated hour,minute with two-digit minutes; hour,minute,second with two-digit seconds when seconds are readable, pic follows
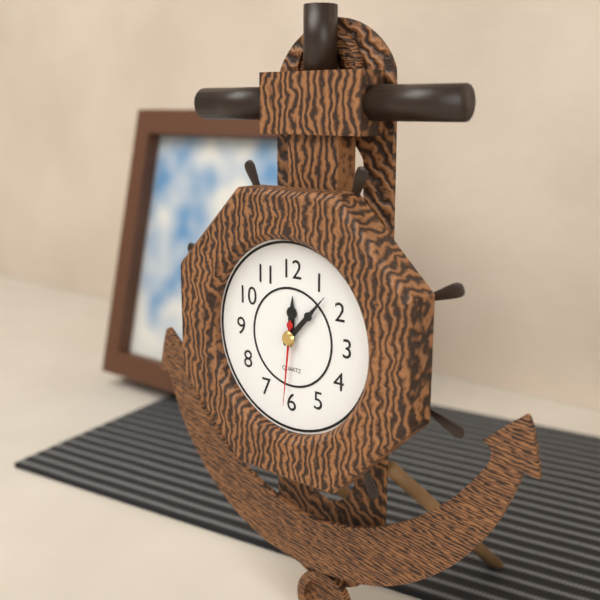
12,07,31
